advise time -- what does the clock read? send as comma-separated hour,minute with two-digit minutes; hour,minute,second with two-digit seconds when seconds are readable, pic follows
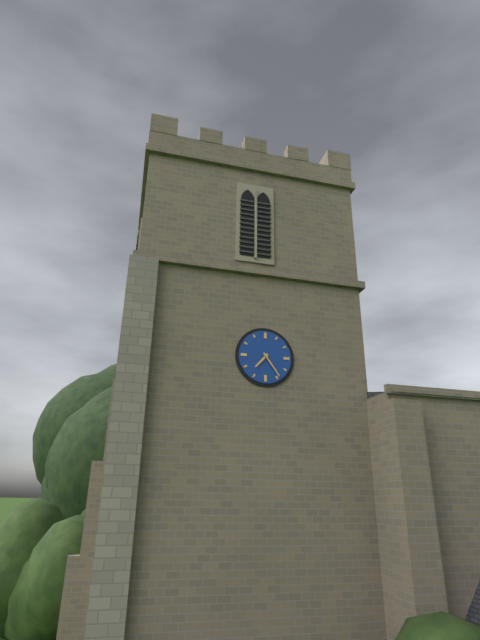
7,24
